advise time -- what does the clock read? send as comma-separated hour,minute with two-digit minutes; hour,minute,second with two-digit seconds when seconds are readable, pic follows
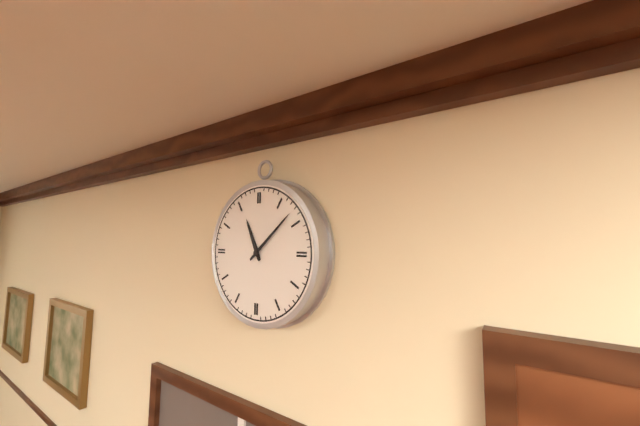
11,08
